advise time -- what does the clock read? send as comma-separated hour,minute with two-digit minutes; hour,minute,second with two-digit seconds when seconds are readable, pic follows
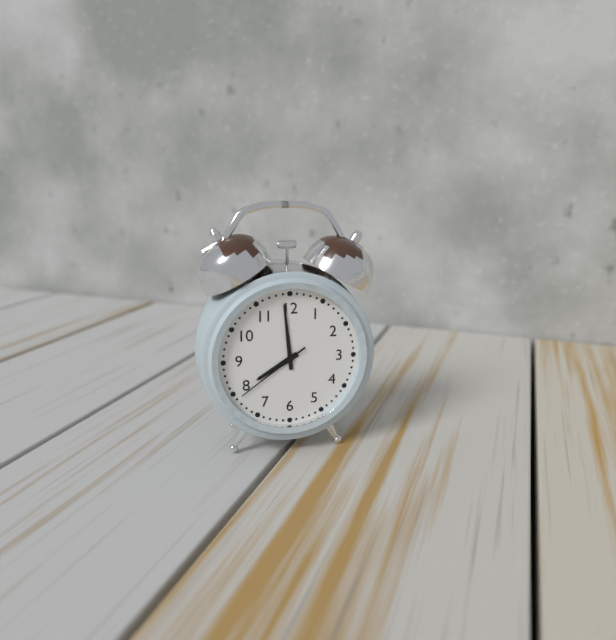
7,59,39
